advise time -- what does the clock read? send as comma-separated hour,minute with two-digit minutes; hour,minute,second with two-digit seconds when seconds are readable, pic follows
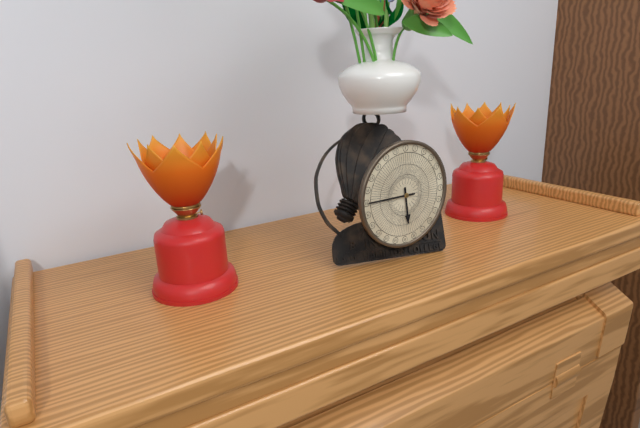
5,45
